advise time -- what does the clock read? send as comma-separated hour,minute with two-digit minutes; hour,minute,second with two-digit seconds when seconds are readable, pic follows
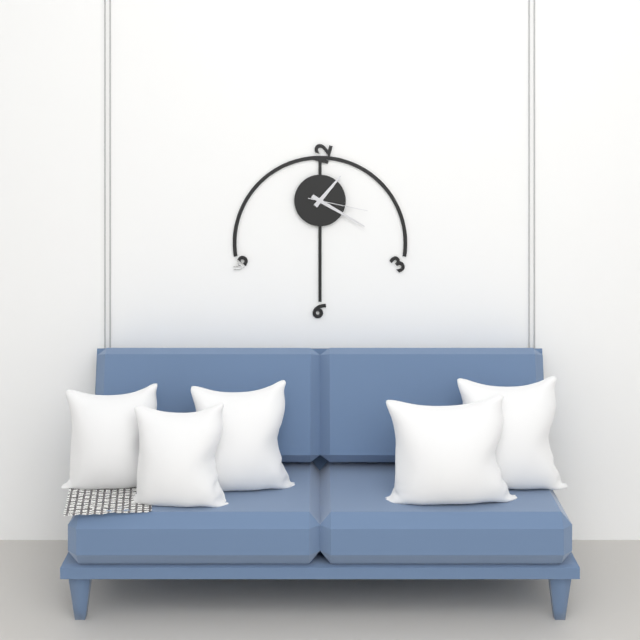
1,20,17
